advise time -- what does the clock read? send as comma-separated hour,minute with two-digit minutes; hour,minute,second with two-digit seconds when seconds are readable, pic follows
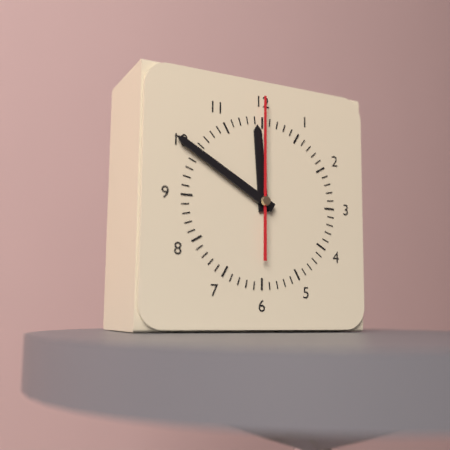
11,50,00
